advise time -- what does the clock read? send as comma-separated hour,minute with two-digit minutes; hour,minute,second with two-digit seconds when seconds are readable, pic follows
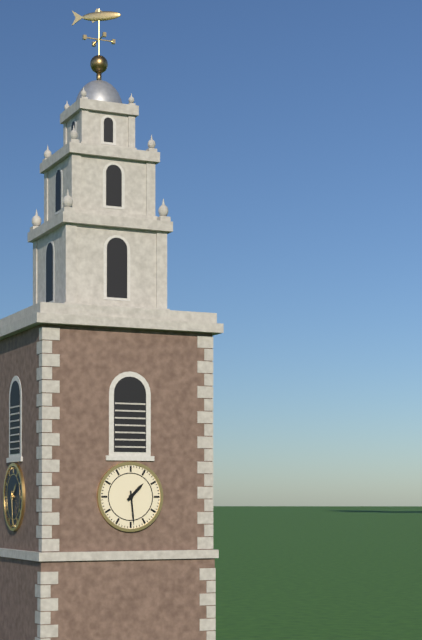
1,29
